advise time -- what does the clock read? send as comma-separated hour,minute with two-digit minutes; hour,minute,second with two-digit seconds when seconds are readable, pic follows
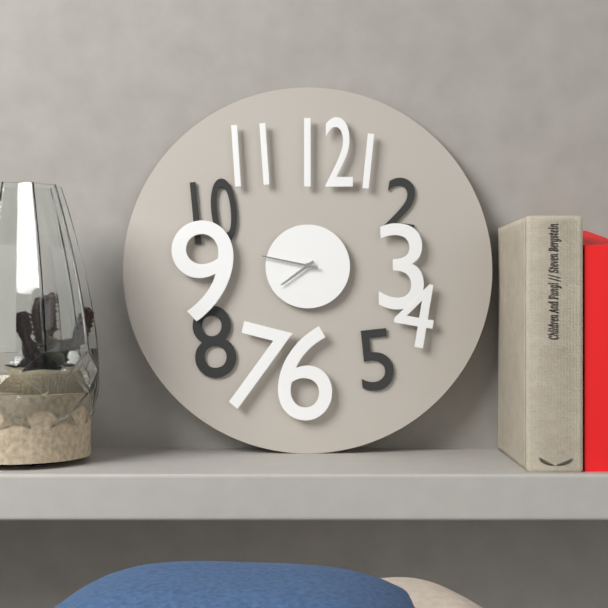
7,47
